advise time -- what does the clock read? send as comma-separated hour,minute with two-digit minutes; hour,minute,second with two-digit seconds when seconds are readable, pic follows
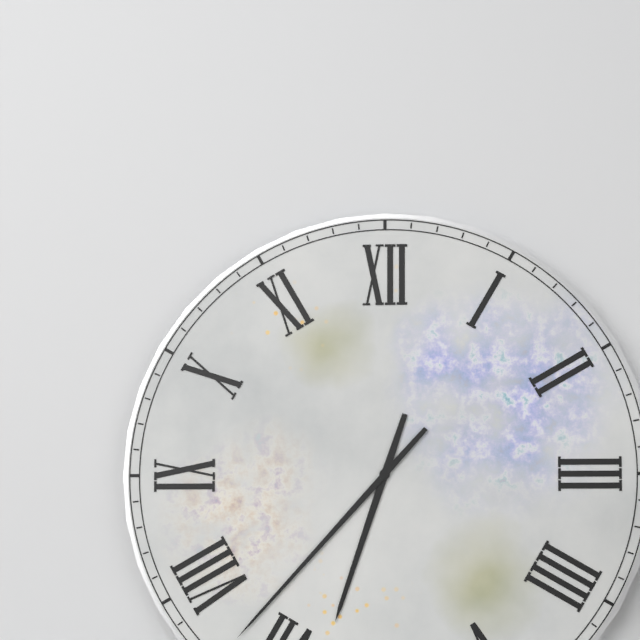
6,37
